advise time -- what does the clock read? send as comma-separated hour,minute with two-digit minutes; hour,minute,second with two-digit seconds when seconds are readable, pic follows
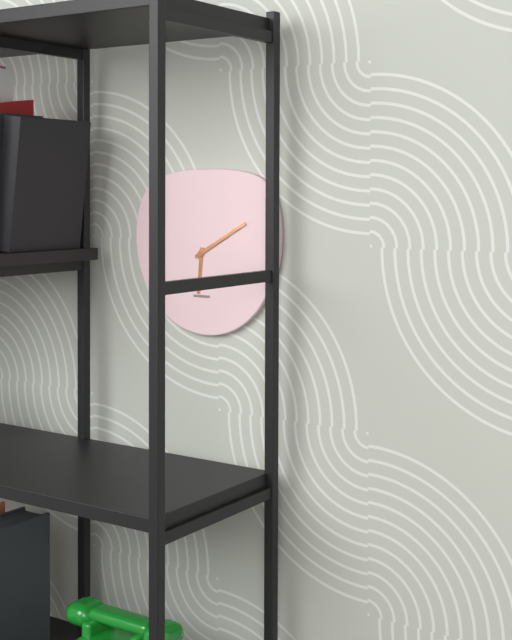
6,10
